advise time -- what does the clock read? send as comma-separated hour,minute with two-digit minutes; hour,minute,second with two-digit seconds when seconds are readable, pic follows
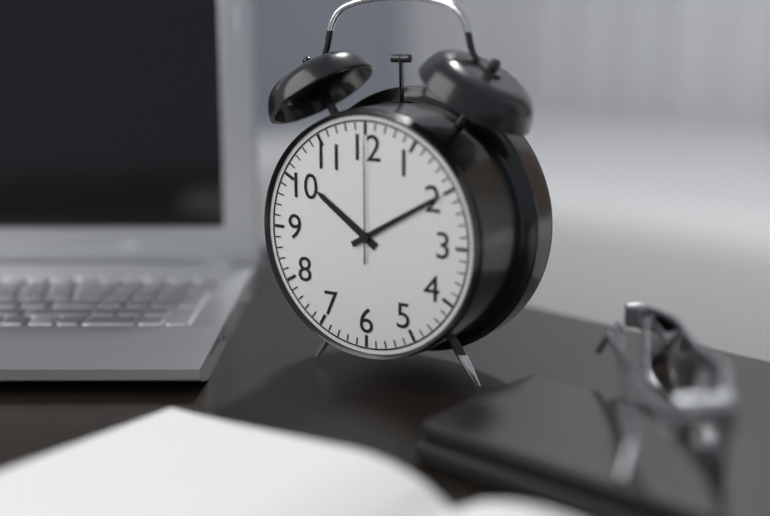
10,10,00
